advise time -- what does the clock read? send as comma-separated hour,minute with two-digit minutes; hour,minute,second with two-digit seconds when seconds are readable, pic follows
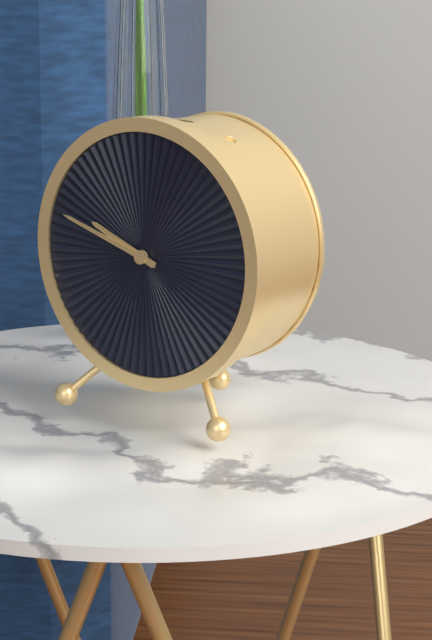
9,48
